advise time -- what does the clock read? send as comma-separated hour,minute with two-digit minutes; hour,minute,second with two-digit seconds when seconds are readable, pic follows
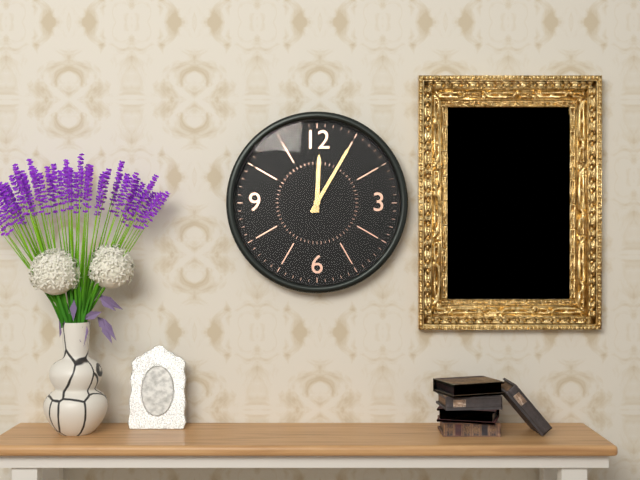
12,05
